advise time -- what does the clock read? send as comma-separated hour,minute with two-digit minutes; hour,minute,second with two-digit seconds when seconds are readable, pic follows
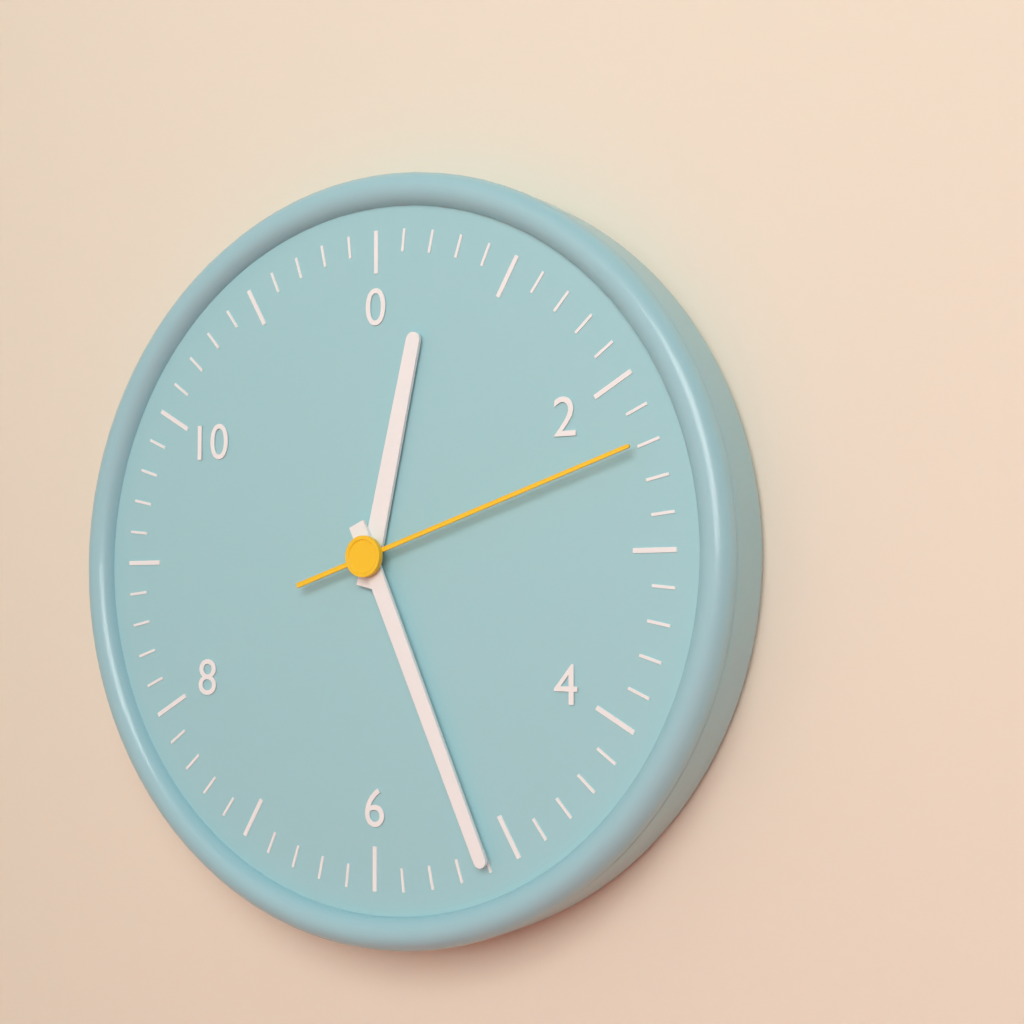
12,26,12
